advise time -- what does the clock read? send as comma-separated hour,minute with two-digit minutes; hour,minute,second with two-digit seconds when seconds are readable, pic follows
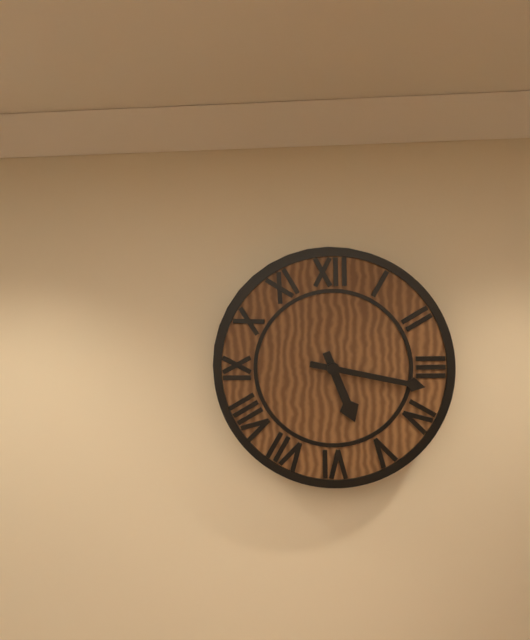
5,17
